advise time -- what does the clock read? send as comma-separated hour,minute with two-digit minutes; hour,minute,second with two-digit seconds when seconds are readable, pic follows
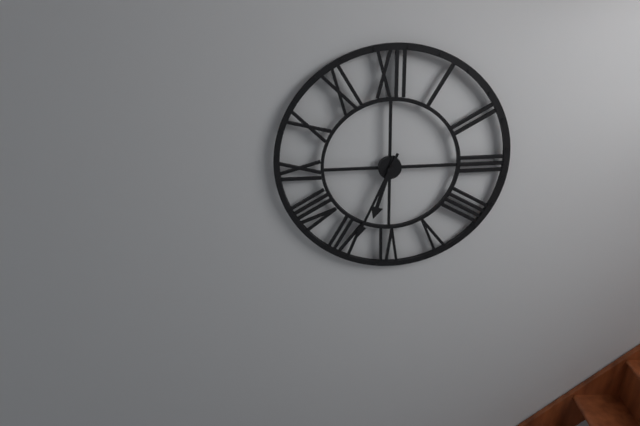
6,34
